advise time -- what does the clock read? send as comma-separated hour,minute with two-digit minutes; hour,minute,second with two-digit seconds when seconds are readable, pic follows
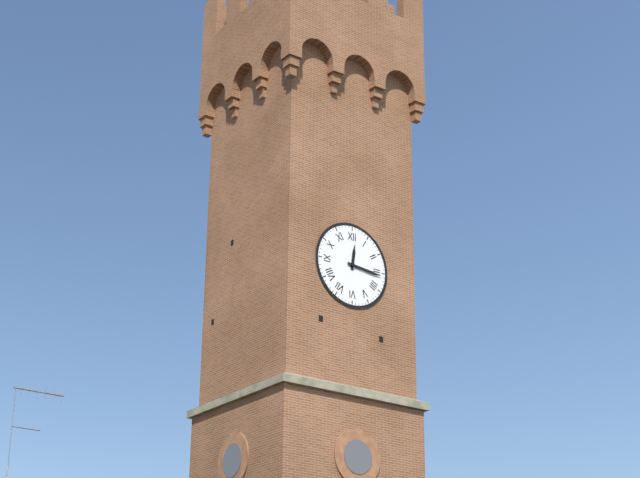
12,16
